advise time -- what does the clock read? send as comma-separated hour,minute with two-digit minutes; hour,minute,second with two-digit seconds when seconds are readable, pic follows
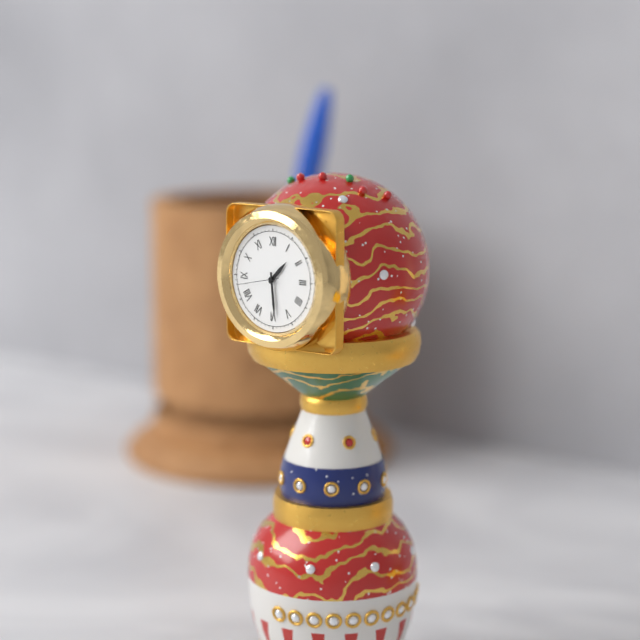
1,29
